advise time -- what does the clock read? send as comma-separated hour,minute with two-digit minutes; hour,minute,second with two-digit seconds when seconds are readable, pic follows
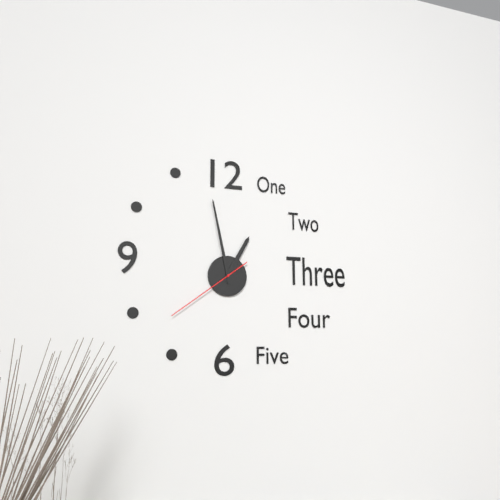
12,58,39
